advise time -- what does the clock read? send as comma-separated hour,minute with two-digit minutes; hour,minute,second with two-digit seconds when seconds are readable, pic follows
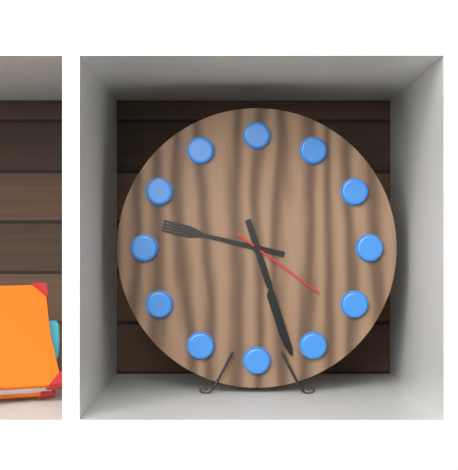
9,27,21
